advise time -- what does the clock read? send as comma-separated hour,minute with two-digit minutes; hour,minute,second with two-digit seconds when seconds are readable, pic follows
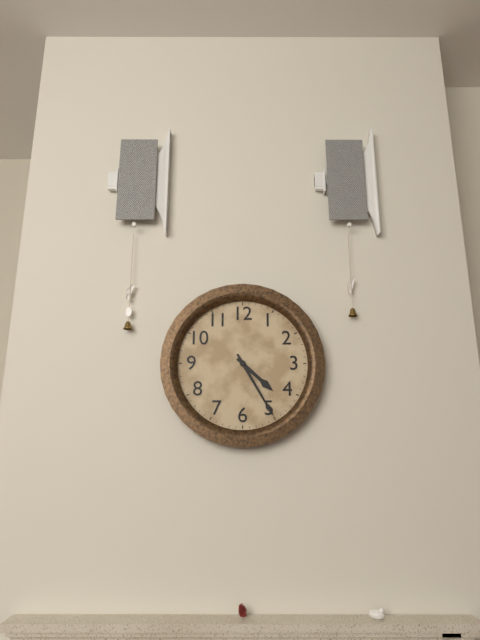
4,25
